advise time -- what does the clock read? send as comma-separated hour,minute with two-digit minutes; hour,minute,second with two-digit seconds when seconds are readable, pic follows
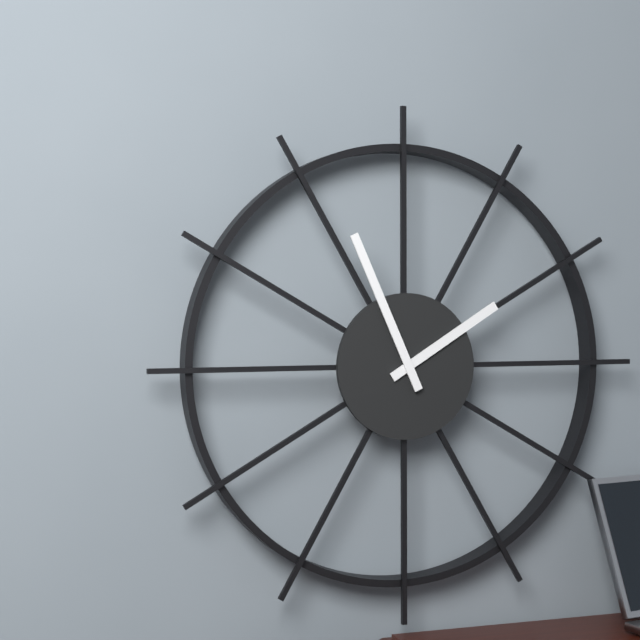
1,56
